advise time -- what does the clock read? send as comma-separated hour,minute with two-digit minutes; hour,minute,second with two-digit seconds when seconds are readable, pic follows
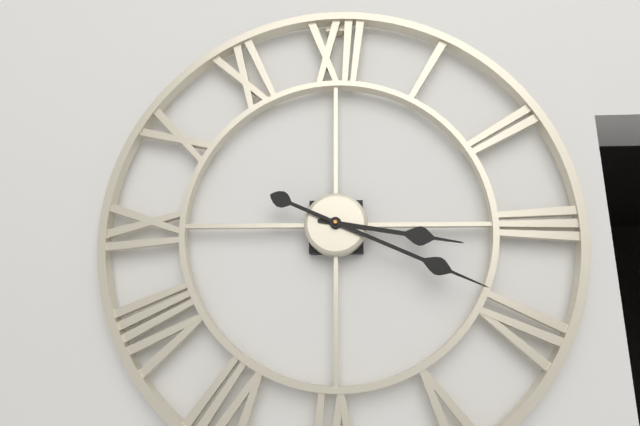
3,19
